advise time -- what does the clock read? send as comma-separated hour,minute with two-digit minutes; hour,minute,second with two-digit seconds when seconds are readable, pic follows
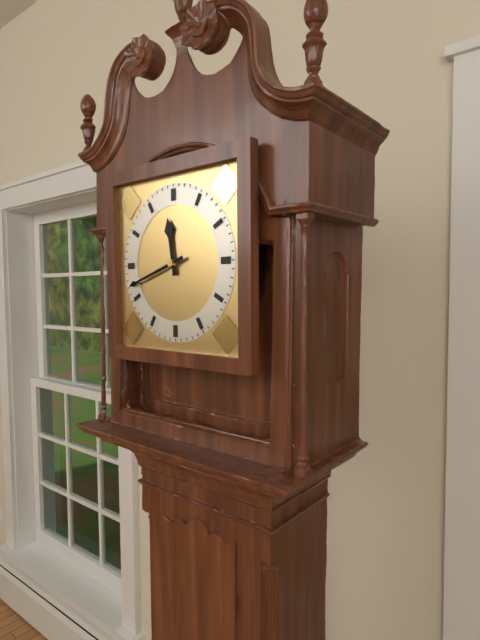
11,42
